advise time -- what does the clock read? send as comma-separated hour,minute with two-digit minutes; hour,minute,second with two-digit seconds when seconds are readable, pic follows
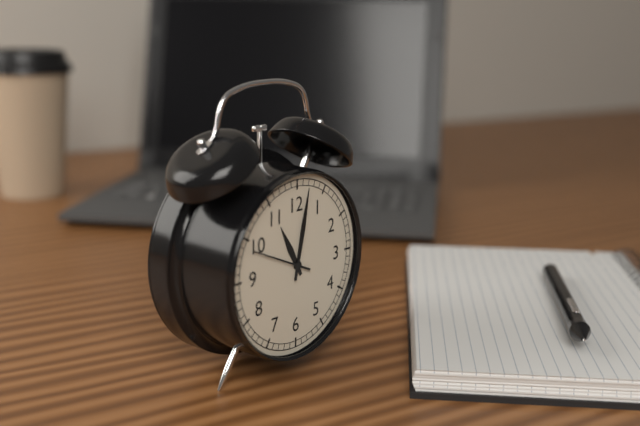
11,02
